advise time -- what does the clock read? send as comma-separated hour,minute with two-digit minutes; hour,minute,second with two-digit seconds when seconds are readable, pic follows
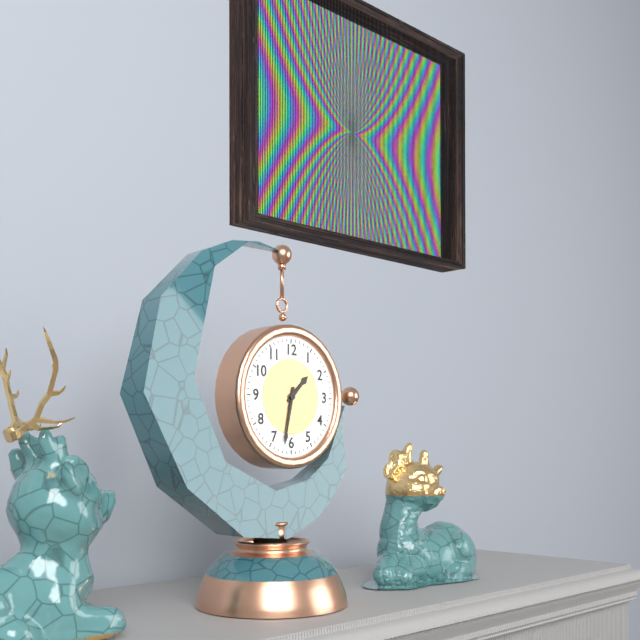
1,32
